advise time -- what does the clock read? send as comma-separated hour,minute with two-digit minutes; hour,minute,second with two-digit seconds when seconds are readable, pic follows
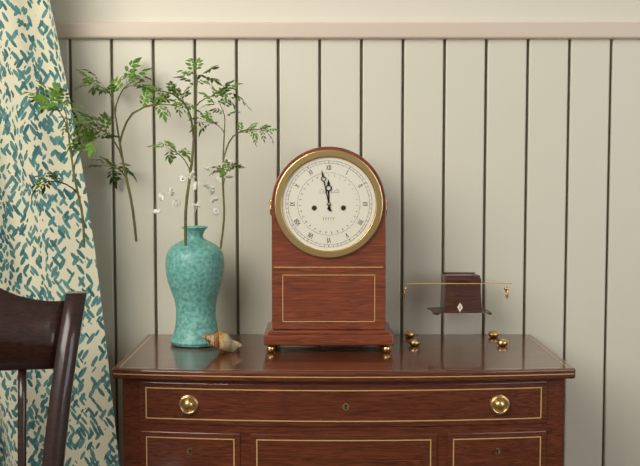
11,58
